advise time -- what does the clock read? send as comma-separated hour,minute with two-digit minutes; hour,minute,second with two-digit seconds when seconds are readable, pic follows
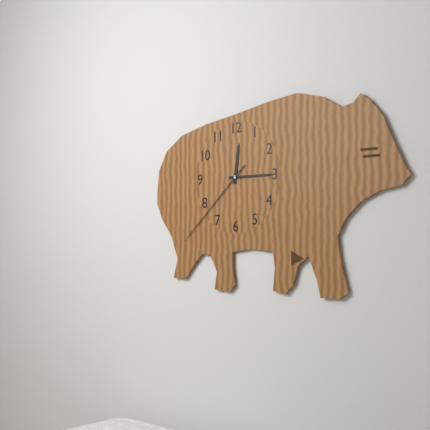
12,15,38
